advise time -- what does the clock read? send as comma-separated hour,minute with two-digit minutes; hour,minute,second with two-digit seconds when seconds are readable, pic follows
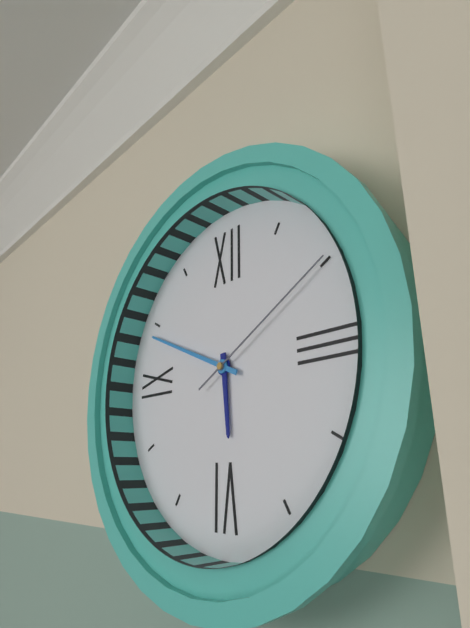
5,49,10
